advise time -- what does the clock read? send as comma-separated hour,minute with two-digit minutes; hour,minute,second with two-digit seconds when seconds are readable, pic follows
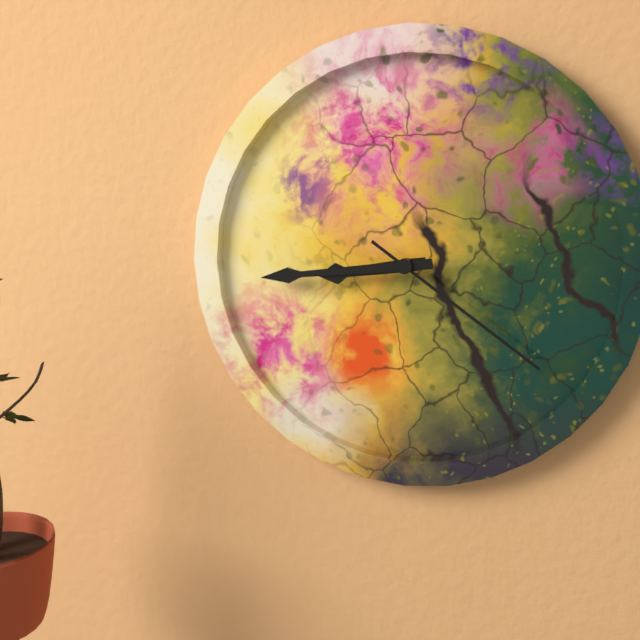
8,44,21
